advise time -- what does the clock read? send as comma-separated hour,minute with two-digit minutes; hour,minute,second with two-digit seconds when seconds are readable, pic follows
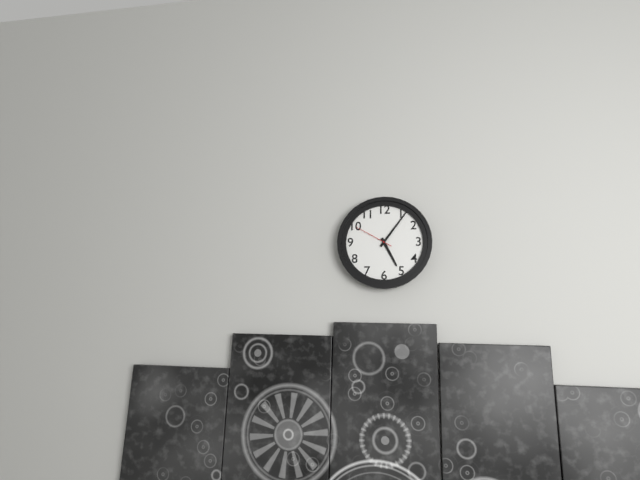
5,06
